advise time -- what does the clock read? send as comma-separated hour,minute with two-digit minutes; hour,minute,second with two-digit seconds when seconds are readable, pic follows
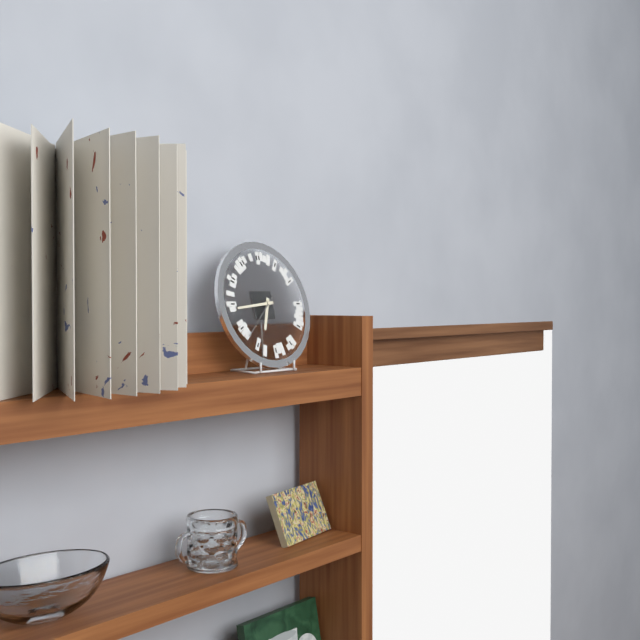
6,44
